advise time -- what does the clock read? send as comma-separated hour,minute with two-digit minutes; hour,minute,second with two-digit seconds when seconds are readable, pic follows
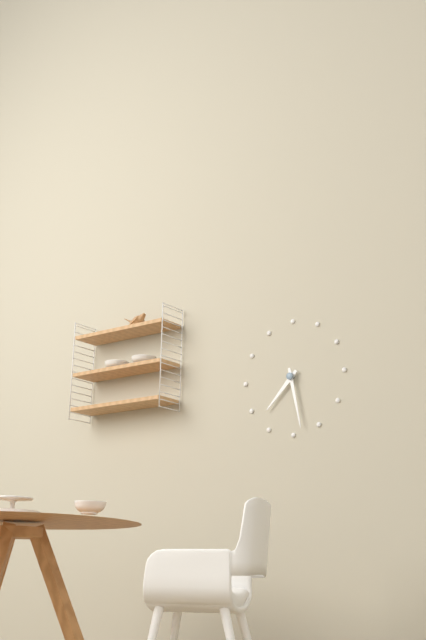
7,28
